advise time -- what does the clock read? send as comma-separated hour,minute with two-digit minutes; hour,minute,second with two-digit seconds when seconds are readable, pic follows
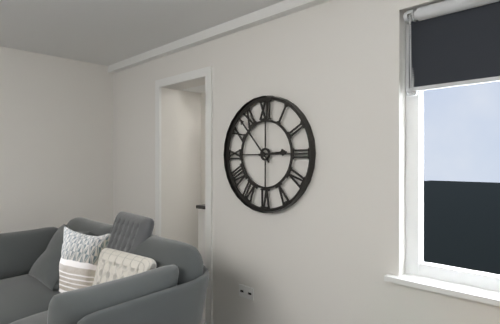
2,53
